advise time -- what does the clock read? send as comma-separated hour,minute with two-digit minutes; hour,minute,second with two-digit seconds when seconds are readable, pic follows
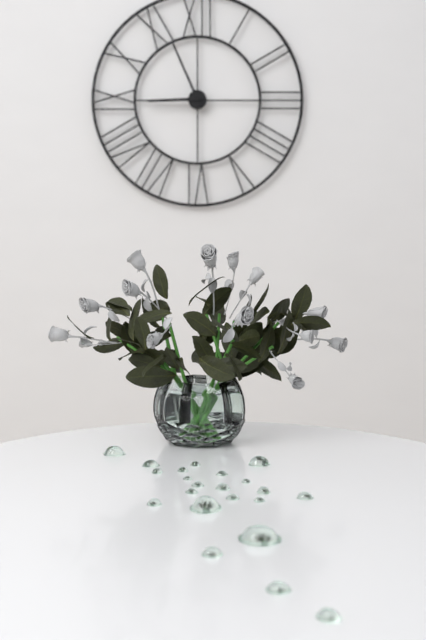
8,56
